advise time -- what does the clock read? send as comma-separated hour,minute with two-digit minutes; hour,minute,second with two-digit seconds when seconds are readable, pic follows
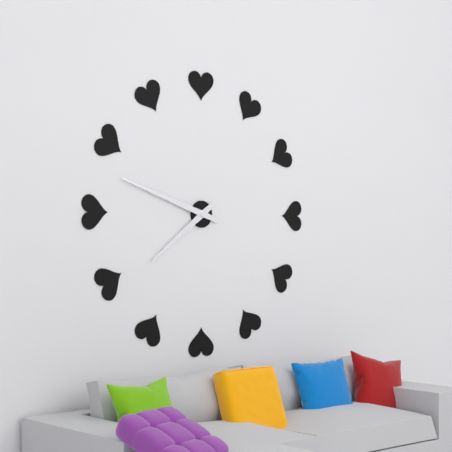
7,48
